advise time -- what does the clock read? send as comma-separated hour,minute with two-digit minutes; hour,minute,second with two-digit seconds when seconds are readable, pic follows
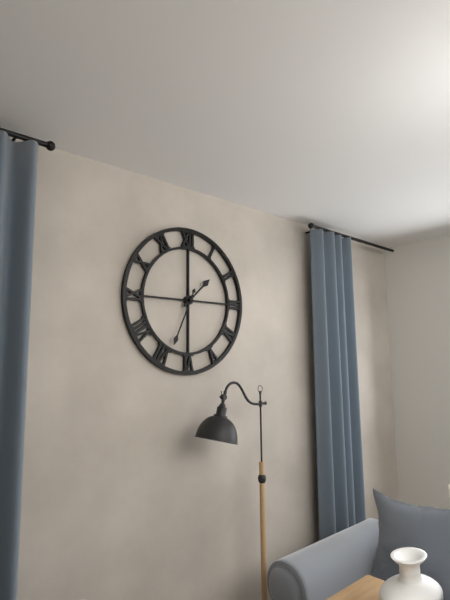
1,34
